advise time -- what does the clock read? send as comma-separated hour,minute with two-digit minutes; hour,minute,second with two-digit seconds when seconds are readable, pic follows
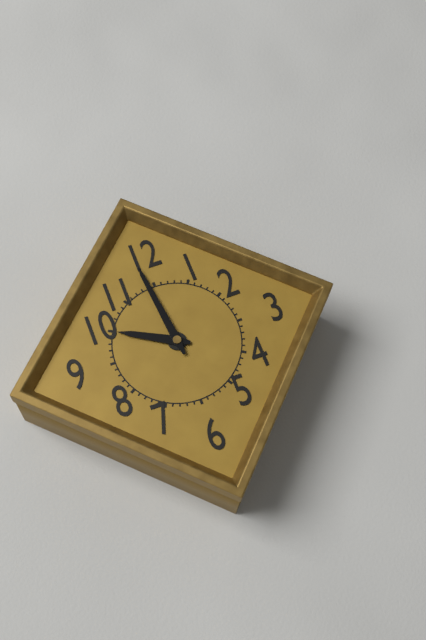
9,59
